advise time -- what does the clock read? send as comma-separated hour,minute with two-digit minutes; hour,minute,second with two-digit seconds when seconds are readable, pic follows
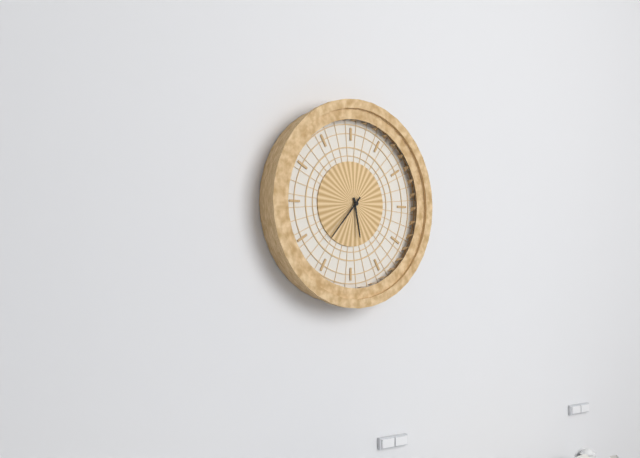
5,37
